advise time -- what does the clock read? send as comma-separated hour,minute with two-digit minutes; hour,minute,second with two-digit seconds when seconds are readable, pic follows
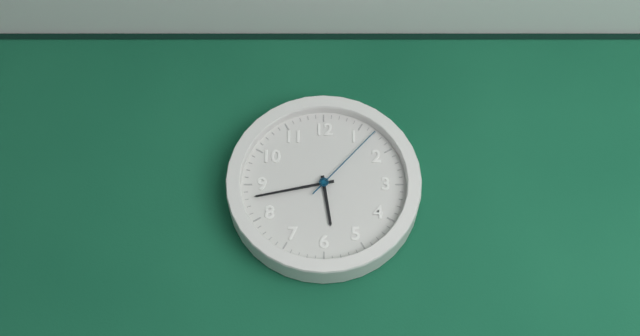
5,43,07
